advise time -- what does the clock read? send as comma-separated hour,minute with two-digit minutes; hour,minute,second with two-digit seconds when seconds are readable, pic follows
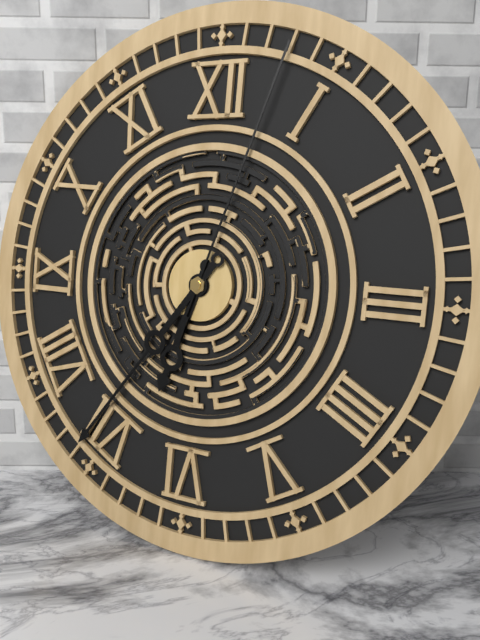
6,36,03
